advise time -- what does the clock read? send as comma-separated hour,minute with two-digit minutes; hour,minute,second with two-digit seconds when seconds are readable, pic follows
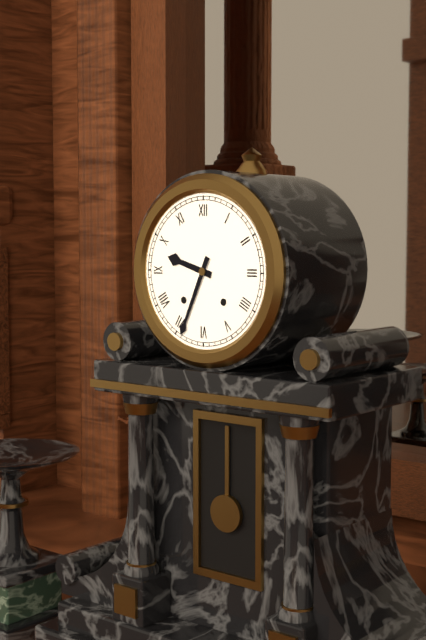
9,34
